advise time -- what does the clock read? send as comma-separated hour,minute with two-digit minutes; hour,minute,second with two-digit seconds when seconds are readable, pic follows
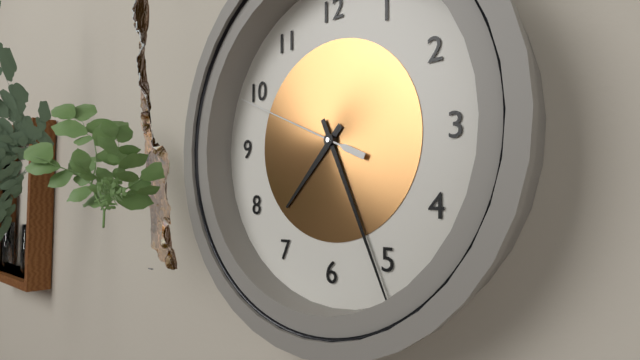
7,26,49
